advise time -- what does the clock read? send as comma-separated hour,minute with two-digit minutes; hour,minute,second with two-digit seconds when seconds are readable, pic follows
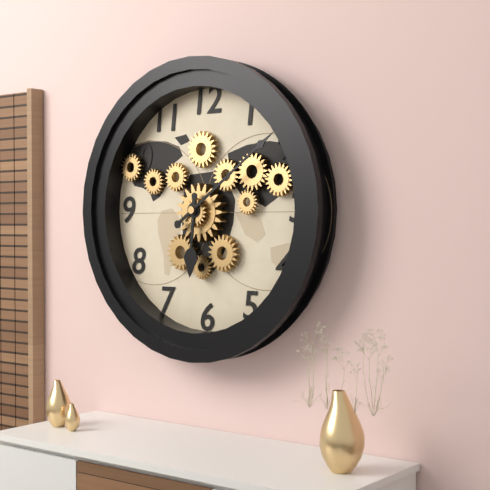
6,09
